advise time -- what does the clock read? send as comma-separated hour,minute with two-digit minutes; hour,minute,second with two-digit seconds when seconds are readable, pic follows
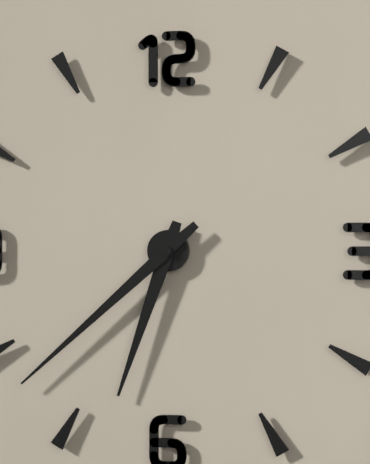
6,38
